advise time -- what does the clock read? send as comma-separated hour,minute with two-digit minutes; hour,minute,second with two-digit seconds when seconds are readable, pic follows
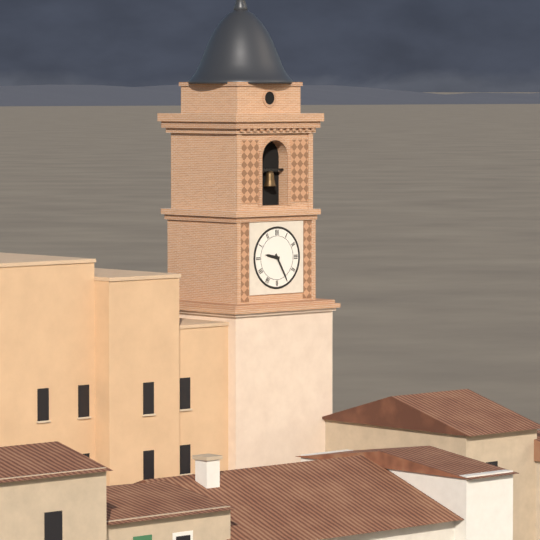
9,25
